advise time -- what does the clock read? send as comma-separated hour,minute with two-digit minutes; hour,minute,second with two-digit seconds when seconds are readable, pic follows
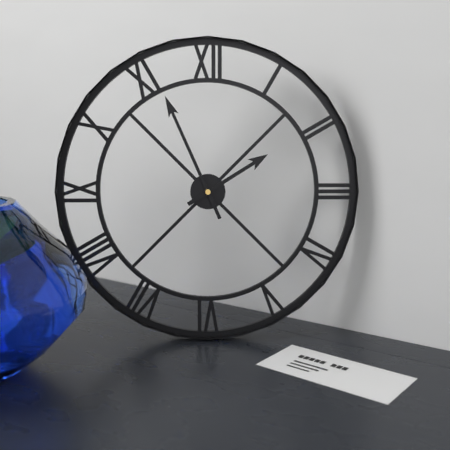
1,56
